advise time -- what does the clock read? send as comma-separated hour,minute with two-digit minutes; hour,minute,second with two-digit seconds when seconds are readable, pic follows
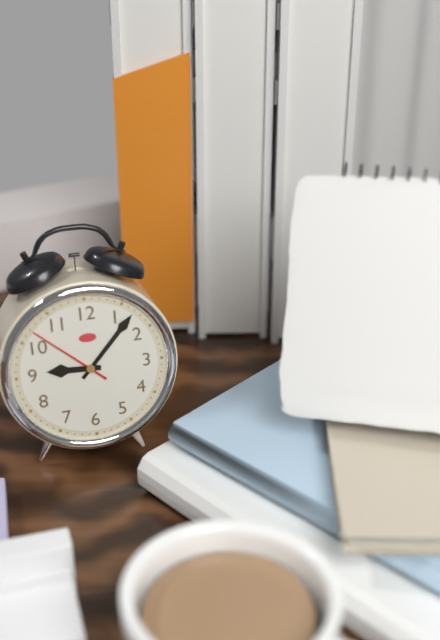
9,07,52
